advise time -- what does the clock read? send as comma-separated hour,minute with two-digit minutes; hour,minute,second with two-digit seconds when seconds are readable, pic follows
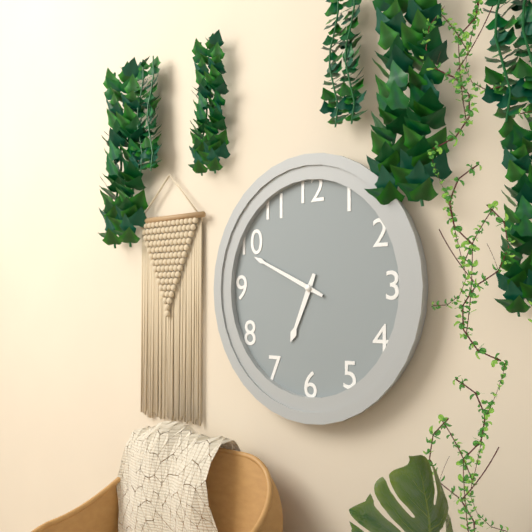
6,49
